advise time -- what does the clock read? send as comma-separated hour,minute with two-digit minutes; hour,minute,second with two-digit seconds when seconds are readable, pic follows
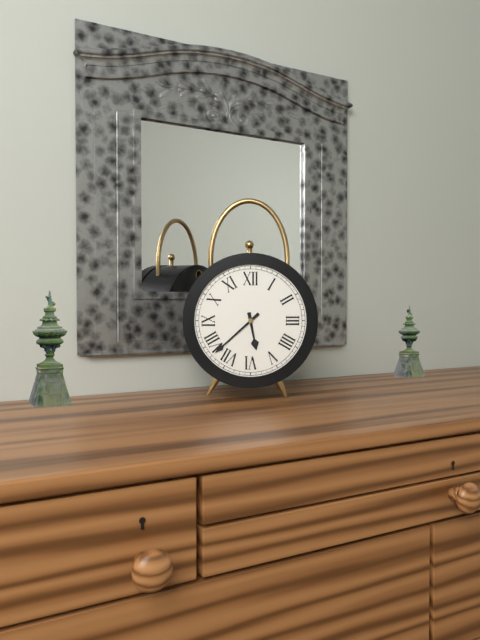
5,38
